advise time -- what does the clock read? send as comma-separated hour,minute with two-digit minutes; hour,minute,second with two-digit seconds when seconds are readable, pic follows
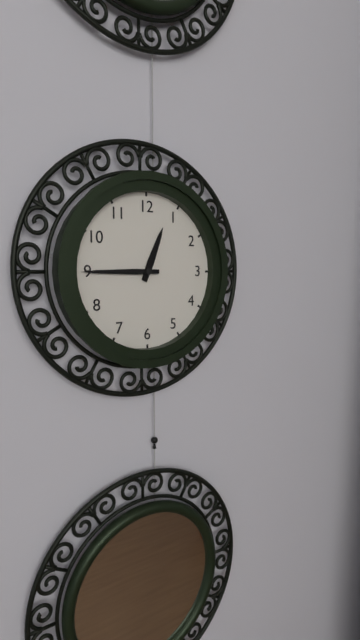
12,45
